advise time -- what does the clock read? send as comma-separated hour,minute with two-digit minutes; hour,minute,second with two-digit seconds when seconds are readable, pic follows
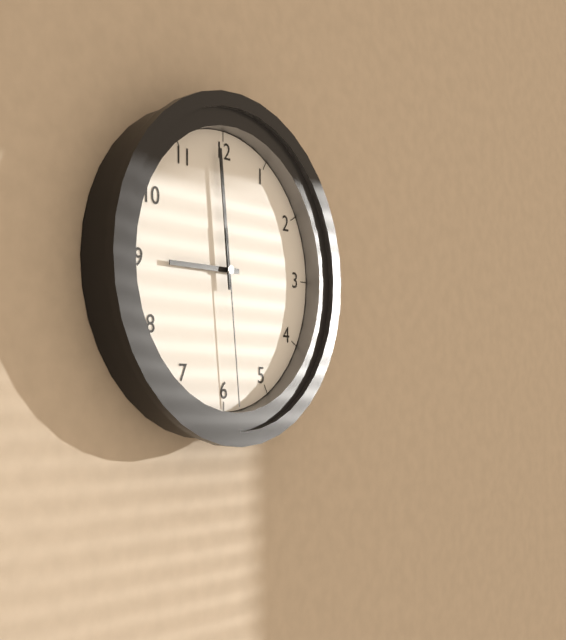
8,59,29
